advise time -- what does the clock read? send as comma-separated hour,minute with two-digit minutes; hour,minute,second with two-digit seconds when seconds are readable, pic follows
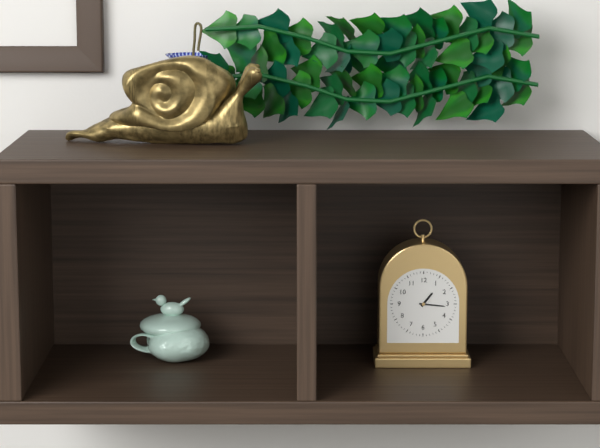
1,16
